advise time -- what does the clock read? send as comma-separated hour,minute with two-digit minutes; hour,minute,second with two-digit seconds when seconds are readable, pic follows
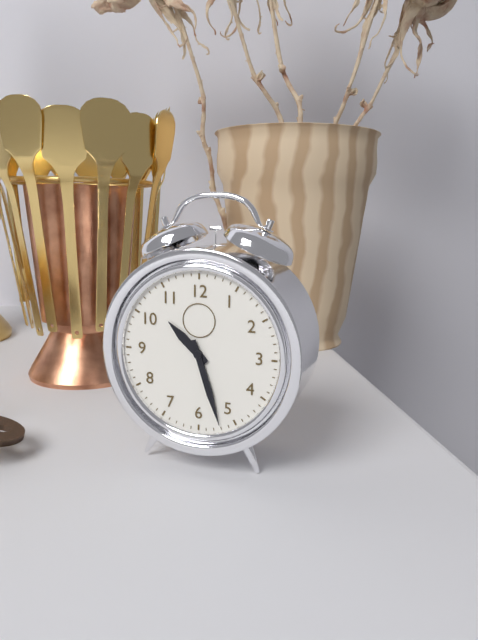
10,27
